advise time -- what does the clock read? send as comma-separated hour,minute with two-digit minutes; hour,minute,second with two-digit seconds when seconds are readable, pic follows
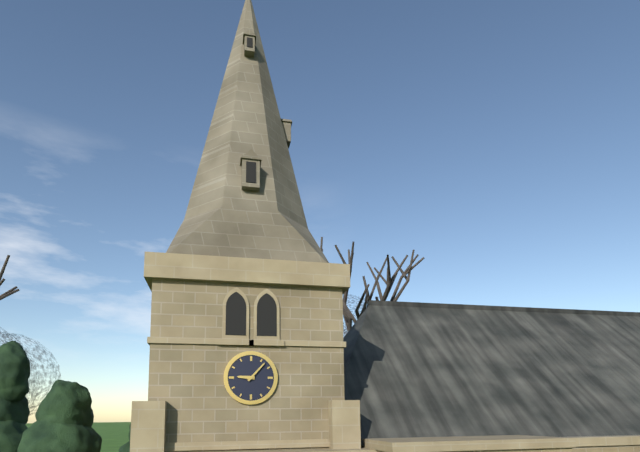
9,07
